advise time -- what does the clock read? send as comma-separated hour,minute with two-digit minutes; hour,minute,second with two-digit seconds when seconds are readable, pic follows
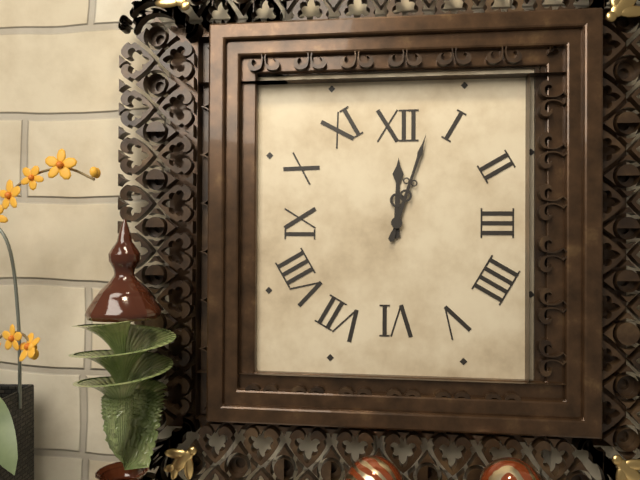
12,03
